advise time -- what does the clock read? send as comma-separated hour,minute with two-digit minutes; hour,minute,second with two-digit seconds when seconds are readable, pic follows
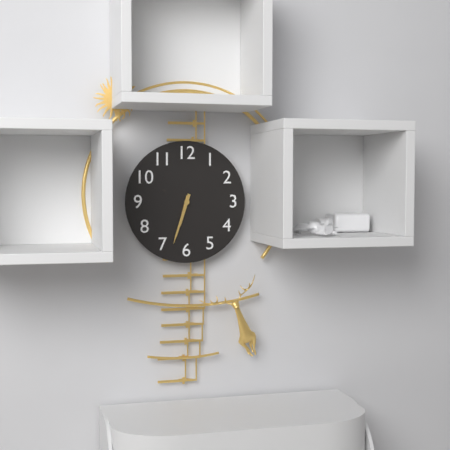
6,33
